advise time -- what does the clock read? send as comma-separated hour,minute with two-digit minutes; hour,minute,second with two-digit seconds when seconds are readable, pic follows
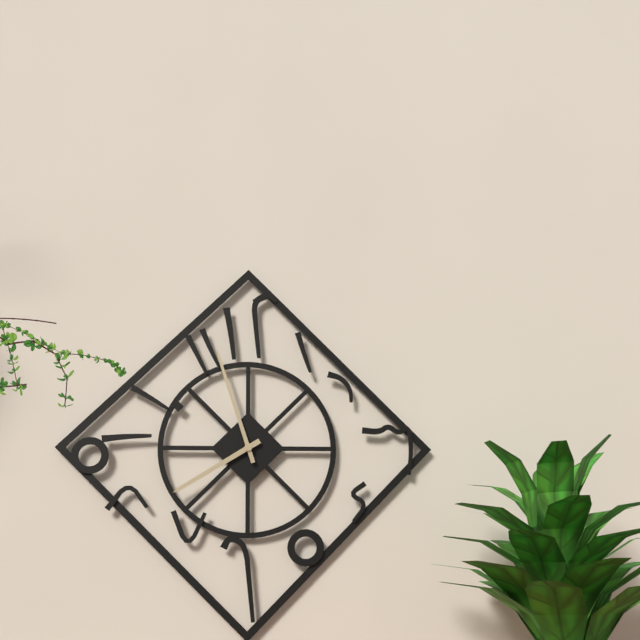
7,57
